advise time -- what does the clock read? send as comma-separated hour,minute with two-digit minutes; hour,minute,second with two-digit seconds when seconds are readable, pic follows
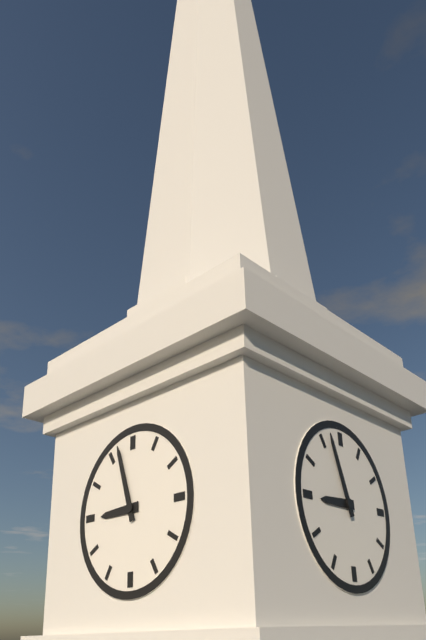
8,57
